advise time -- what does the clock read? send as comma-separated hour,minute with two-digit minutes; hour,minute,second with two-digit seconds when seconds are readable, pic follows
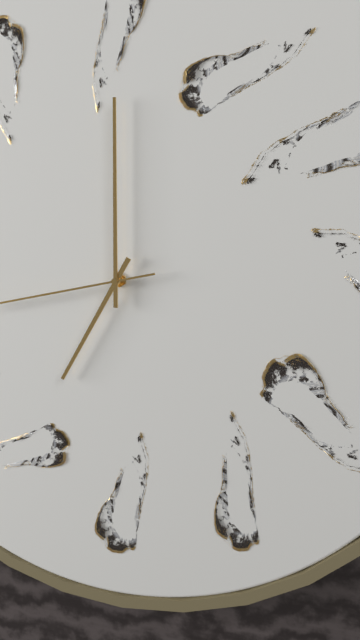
7,00
